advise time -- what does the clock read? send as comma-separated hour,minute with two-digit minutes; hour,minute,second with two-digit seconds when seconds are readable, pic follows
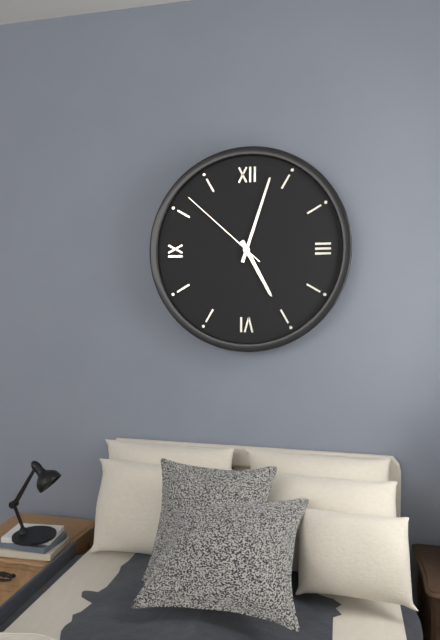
5,03,52
